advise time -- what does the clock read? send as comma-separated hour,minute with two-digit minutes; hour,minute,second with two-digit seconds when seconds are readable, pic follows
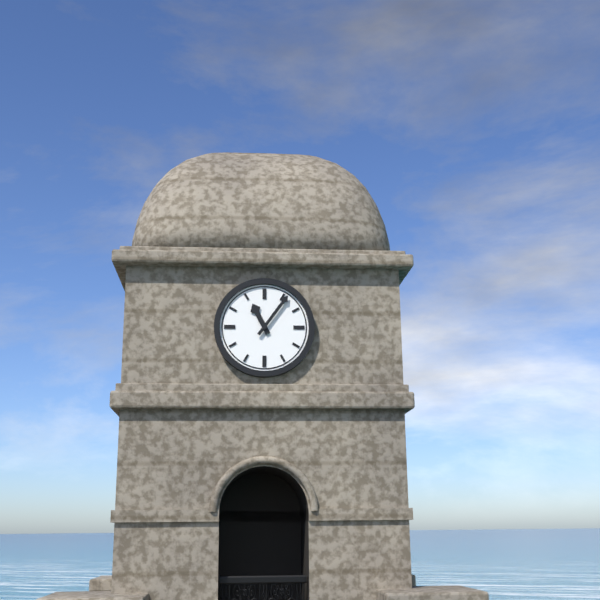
11,06
